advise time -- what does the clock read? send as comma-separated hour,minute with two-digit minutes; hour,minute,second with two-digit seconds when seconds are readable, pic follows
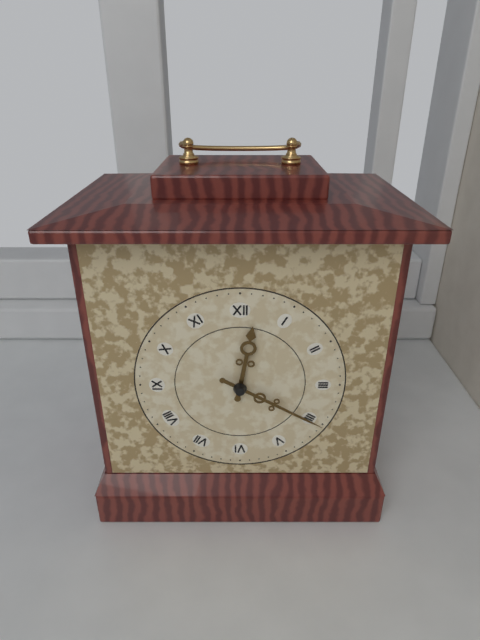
12,20
